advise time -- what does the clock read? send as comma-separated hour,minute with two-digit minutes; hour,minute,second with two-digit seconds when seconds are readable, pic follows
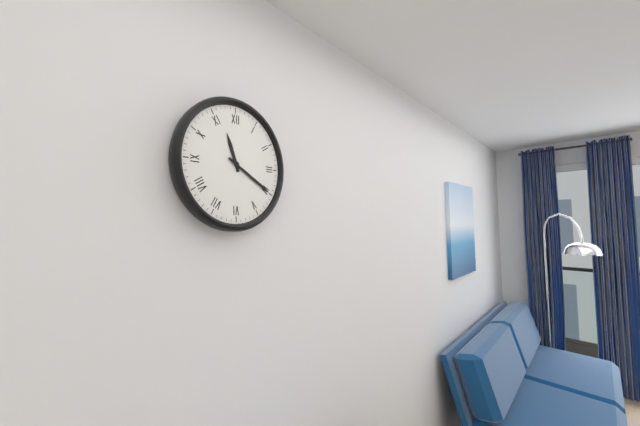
11,20
